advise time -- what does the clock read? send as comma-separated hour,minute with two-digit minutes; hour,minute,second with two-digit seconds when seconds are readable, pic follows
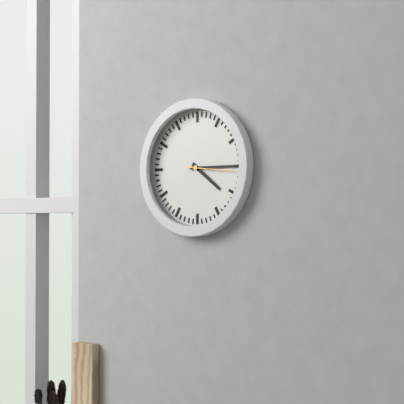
4,15
